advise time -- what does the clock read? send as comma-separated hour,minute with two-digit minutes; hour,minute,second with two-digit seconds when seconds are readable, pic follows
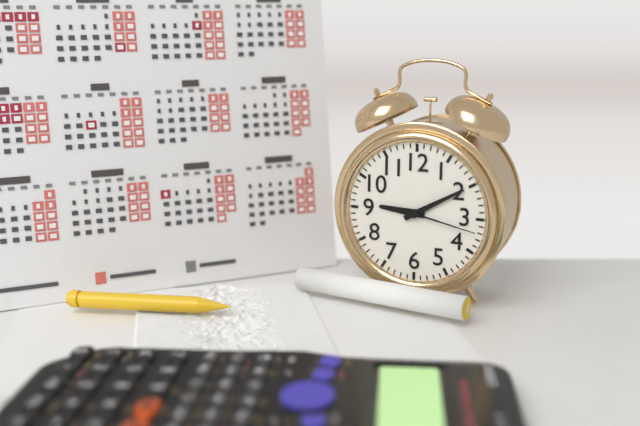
9,10,17
